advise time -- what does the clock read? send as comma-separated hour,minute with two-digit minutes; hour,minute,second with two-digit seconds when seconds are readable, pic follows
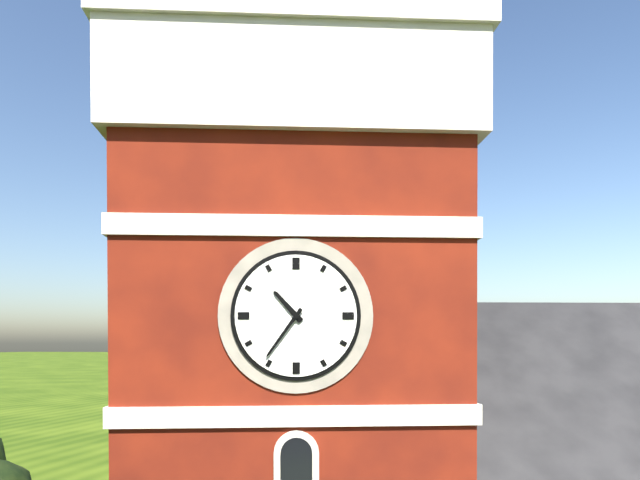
10,36
